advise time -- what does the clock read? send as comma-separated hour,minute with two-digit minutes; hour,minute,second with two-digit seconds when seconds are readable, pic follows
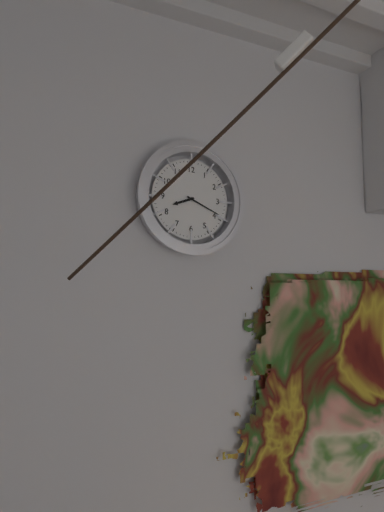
8,19
